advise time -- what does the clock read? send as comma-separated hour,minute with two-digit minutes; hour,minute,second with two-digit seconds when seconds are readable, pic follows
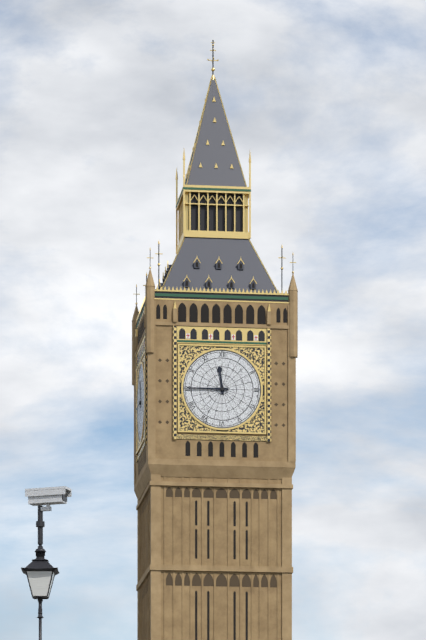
11,45
